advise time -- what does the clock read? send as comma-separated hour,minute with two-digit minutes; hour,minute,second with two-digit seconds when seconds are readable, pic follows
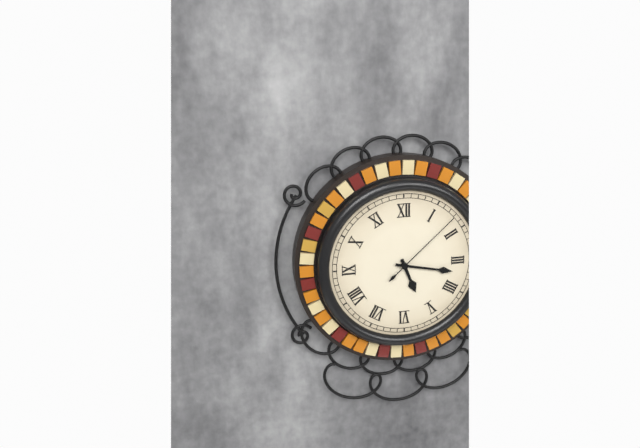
5,17,08
